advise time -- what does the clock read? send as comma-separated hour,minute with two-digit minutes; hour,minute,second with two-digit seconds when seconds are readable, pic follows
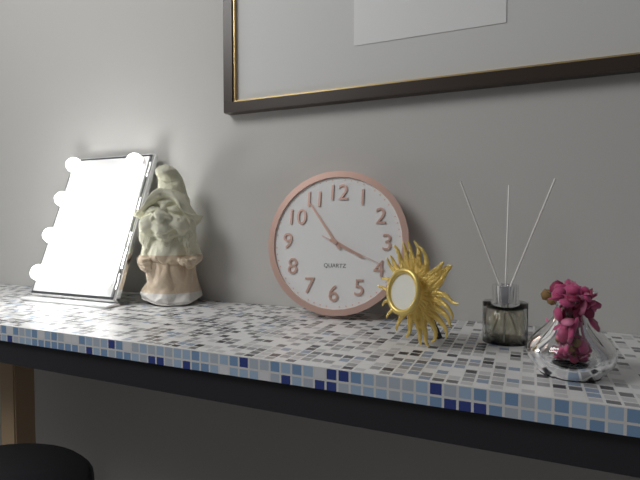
3,54,19
